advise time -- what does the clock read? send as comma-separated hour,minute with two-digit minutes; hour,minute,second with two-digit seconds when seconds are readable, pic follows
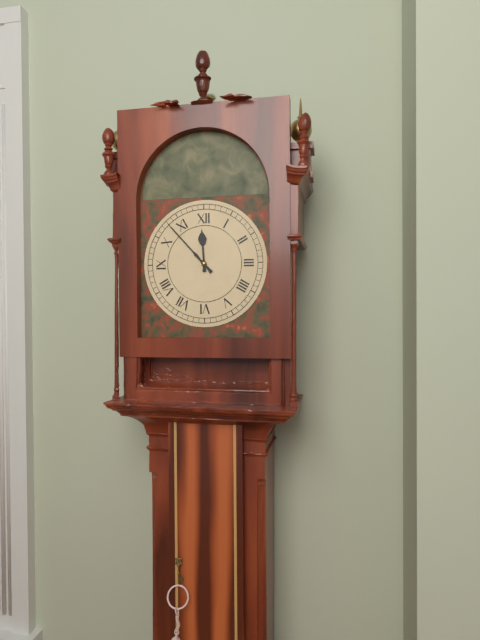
11,53
